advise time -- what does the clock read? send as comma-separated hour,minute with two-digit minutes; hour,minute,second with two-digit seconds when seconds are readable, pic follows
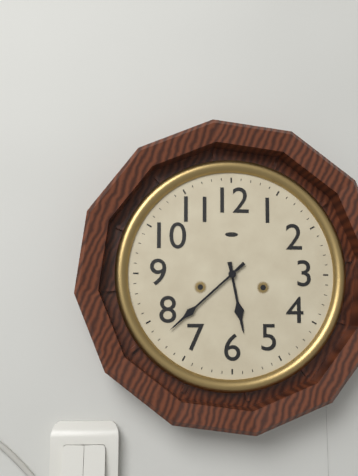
5,38
